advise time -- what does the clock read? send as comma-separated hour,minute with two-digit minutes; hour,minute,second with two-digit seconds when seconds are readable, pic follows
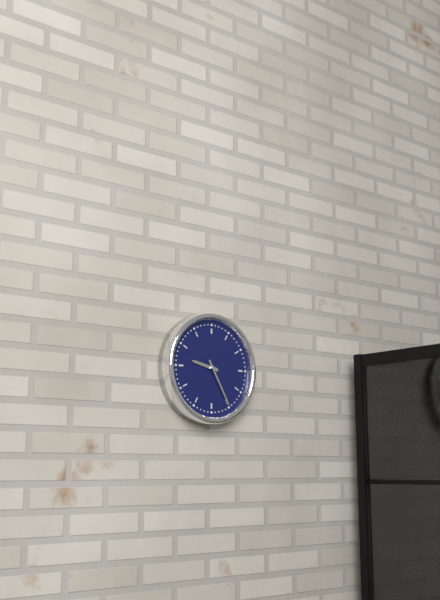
9,25
